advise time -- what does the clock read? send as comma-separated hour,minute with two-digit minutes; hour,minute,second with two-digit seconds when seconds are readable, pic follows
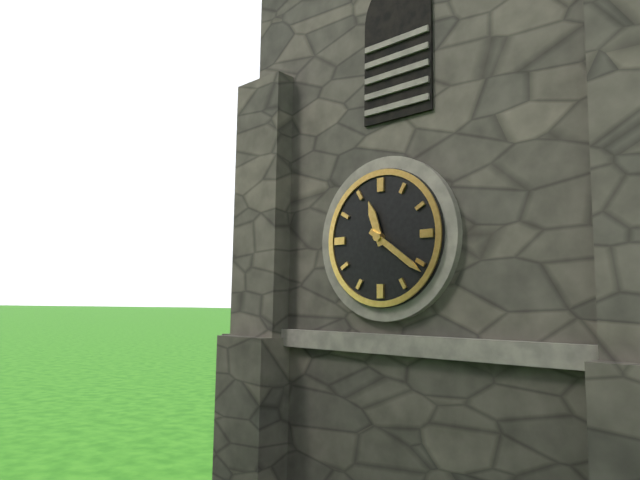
11,21
